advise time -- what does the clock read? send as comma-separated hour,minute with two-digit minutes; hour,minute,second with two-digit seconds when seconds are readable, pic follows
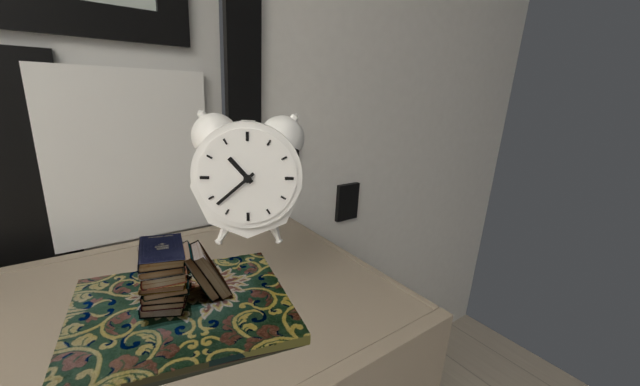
10,38
